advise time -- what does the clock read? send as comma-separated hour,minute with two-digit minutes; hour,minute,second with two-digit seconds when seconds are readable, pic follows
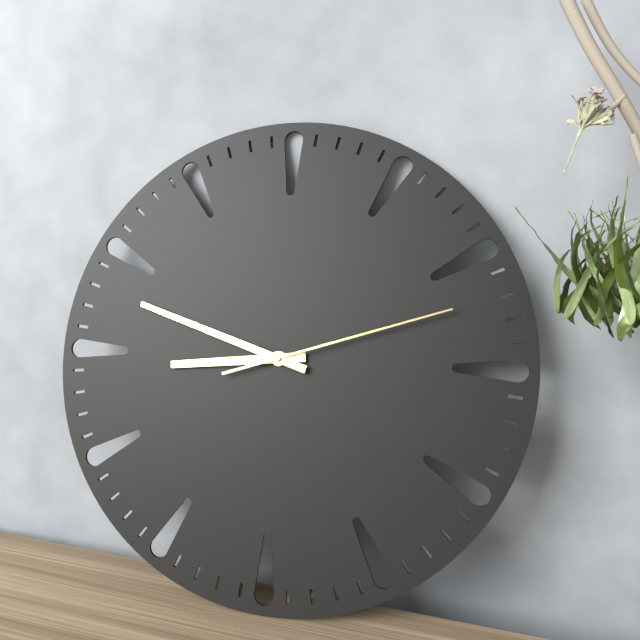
8,48,12
